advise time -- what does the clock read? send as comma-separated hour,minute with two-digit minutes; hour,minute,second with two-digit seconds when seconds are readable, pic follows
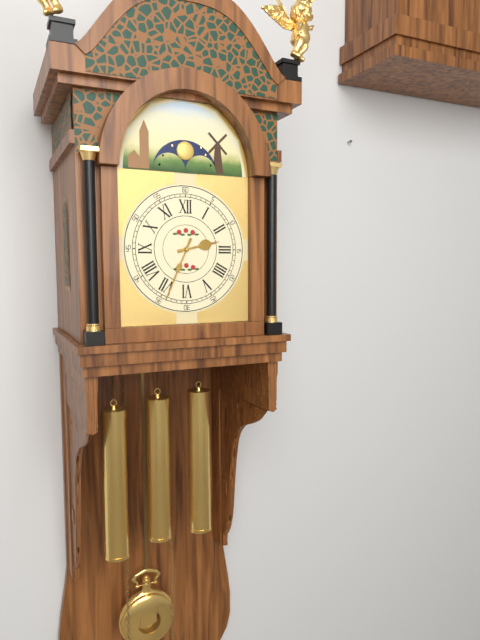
2,34
